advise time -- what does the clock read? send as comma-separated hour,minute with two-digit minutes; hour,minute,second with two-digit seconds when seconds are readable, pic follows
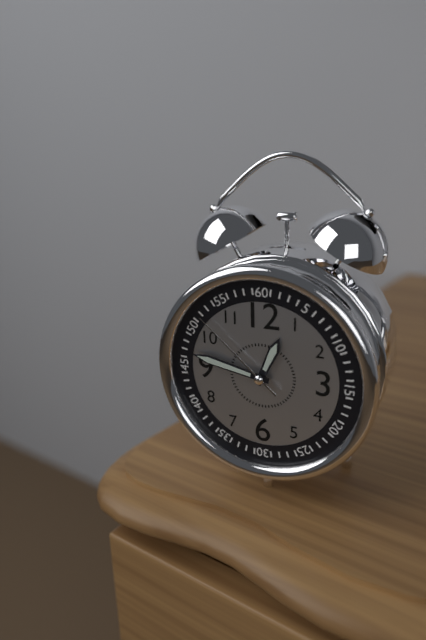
12,47,52
